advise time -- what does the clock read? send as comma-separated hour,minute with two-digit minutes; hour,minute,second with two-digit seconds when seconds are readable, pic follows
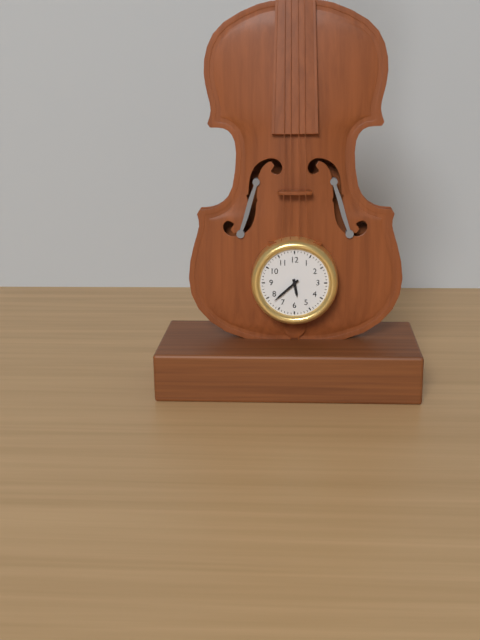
5,38
